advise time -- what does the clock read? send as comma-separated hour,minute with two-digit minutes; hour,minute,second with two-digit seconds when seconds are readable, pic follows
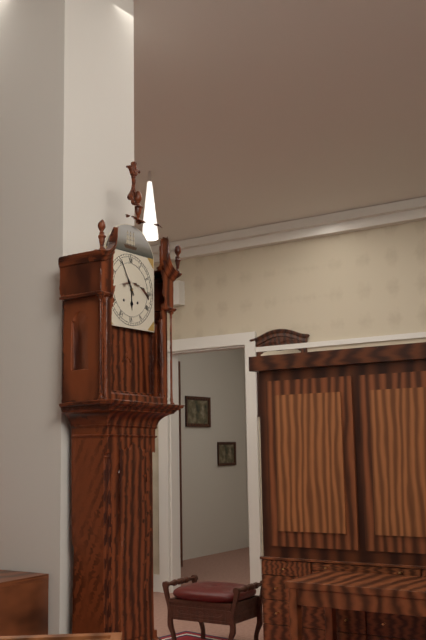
5,55
